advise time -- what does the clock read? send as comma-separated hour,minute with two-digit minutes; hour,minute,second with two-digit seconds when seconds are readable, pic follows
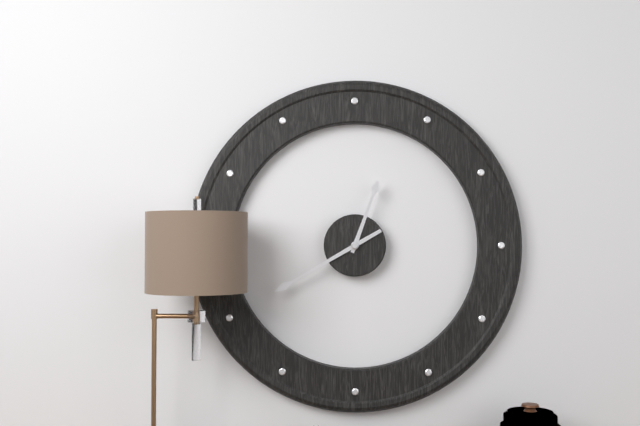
12,40
